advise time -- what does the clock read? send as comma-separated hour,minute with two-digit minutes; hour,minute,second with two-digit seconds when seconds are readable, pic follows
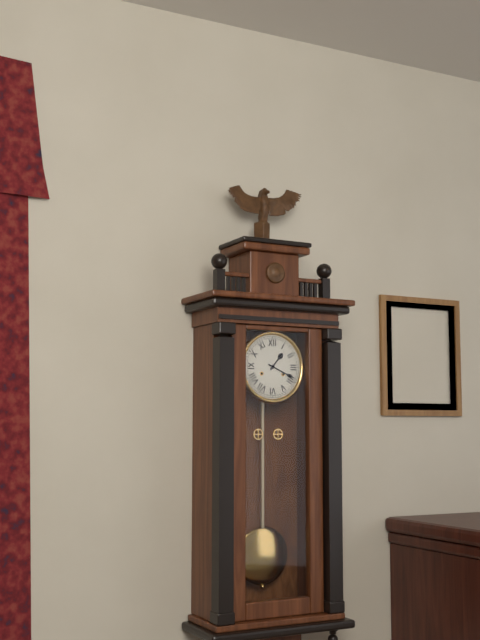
1,19
